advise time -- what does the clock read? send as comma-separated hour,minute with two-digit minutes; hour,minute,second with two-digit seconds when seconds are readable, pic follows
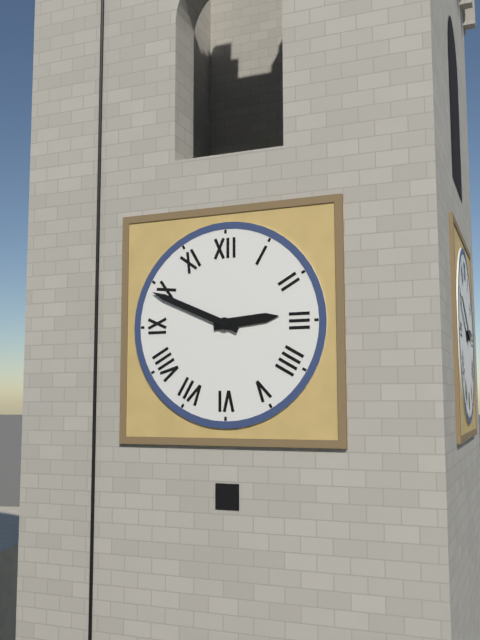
2,49
